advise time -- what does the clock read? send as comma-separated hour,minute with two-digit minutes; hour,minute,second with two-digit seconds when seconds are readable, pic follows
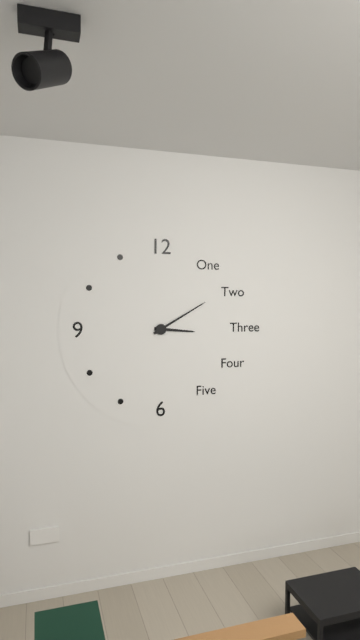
3,10
